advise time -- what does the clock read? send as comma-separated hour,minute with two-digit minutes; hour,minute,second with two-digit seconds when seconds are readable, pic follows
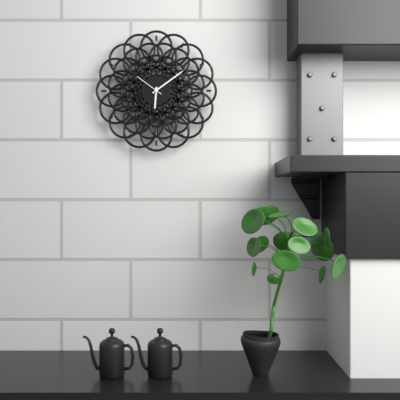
6,09
